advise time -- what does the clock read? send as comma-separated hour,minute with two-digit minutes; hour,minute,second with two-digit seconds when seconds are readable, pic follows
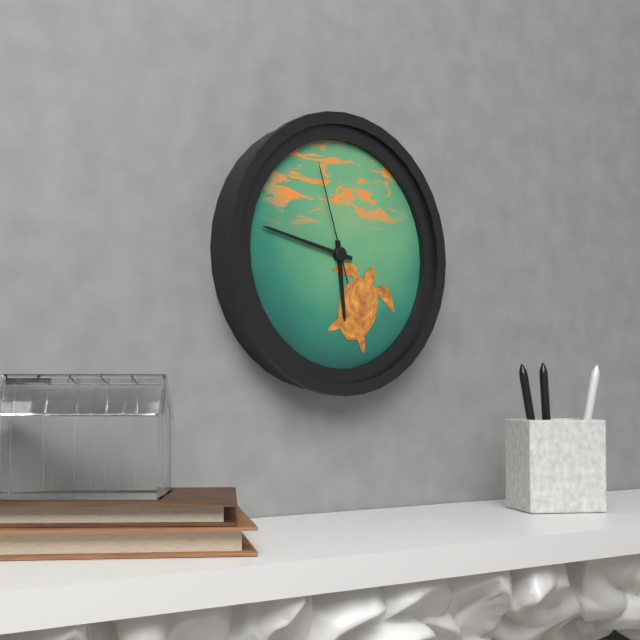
5,47,57
